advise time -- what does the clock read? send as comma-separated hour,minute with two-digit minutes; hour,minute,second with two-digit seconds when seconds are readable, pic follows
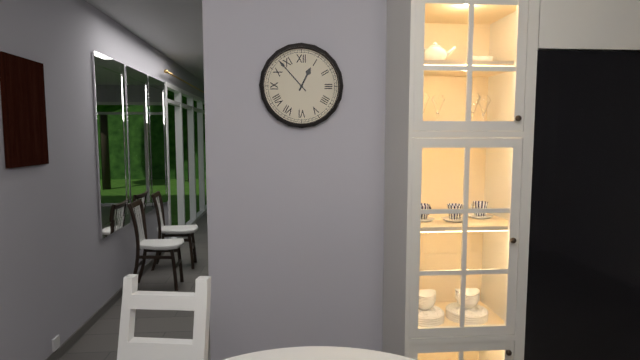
12,53
